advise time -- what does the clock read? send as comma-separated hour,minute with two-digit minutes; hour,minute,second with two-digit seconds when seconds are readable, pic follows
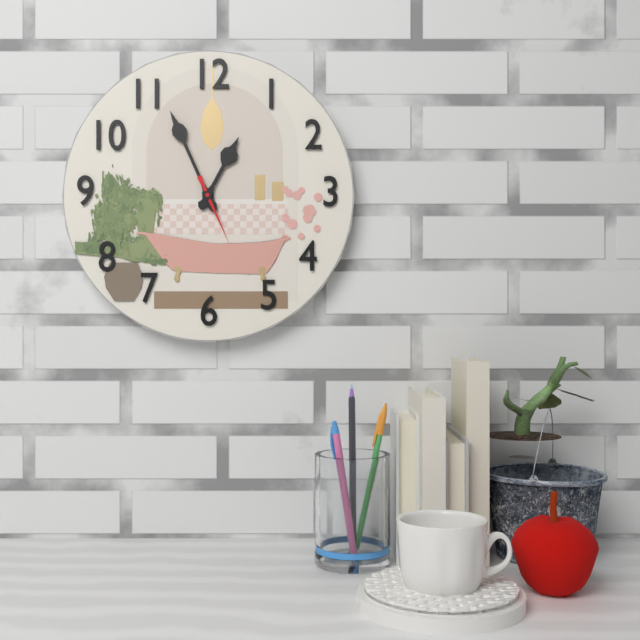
12,56,26
